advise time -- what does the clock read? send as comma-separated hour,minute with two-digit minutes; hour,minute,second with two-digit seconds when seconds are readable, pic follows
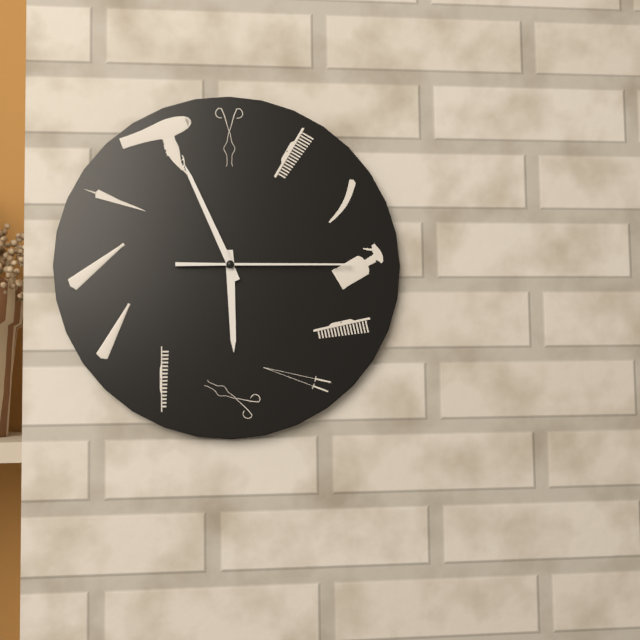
5,56,15
